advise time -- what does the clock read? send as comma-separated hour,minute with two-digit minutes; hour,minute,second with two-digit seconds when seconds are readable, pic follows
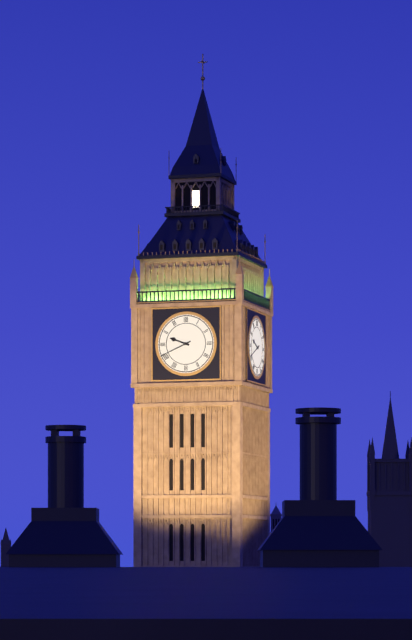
9,41
